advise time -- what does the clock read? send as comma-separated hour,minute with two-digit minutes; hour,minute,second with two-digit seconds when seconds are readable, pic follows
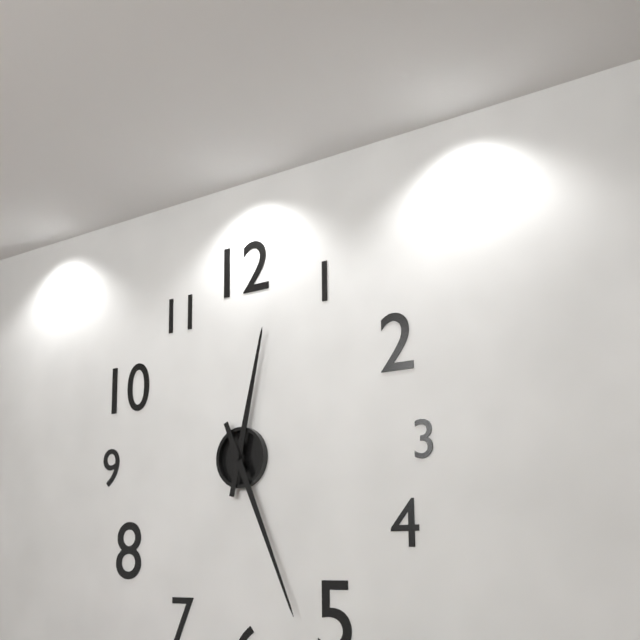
12,26
